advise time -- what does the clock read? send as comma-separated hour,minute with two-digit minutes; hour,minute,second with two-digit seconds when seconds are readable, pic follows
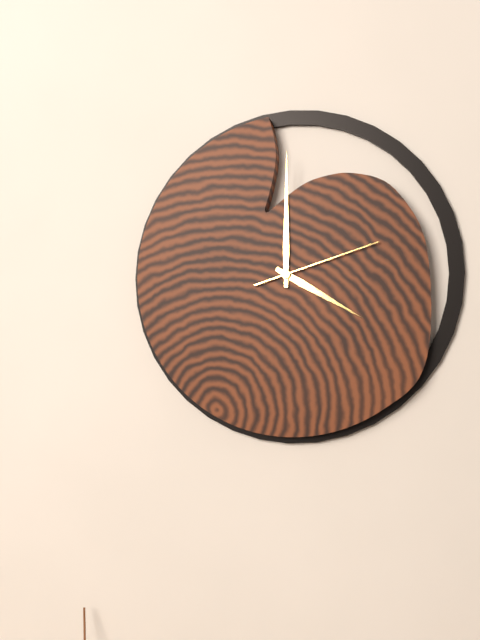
4,00,12
